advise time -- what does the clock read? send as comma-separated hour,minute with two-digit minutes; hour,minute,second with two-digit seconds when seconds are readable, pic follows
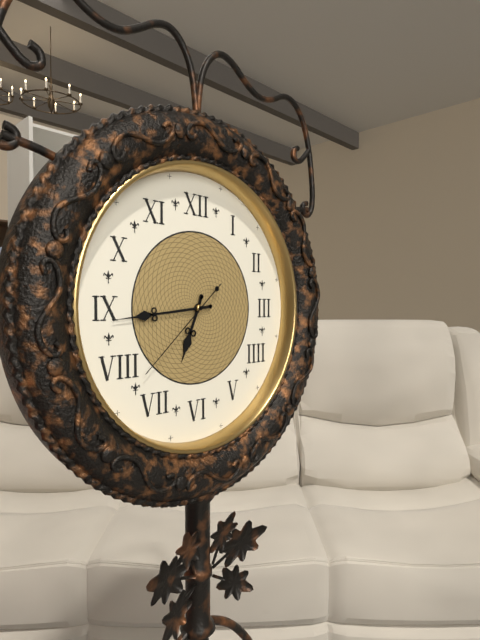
6,44,38
